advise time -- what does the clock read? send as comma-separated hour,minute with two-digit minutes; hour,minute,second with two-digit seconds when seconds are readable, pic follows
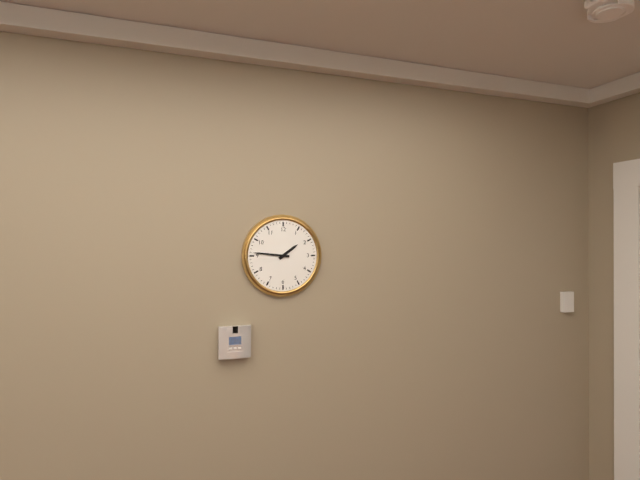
1,46
